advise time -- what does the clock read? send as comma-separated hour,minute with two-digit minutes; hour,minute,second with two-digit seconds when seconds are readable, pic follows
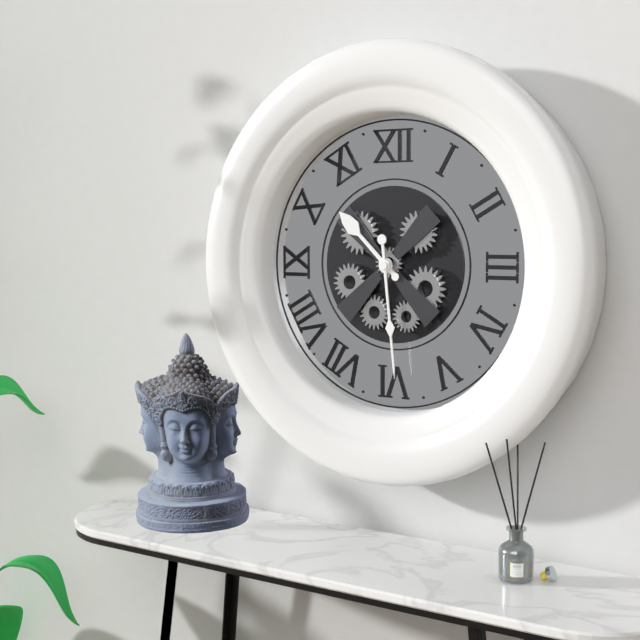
10,29
